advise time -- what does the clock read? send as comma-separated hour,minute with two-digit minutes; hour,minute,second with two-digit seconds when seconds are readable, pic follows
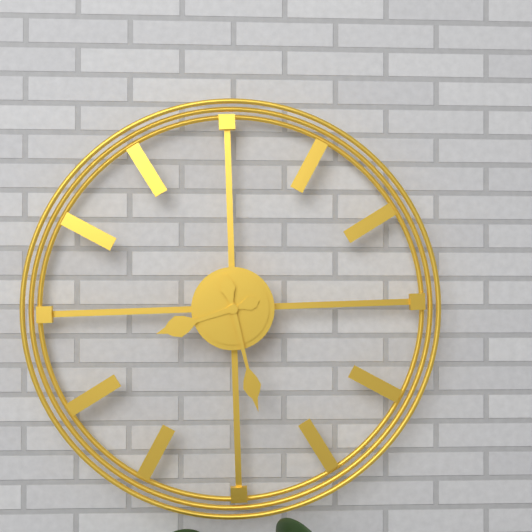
8,28
